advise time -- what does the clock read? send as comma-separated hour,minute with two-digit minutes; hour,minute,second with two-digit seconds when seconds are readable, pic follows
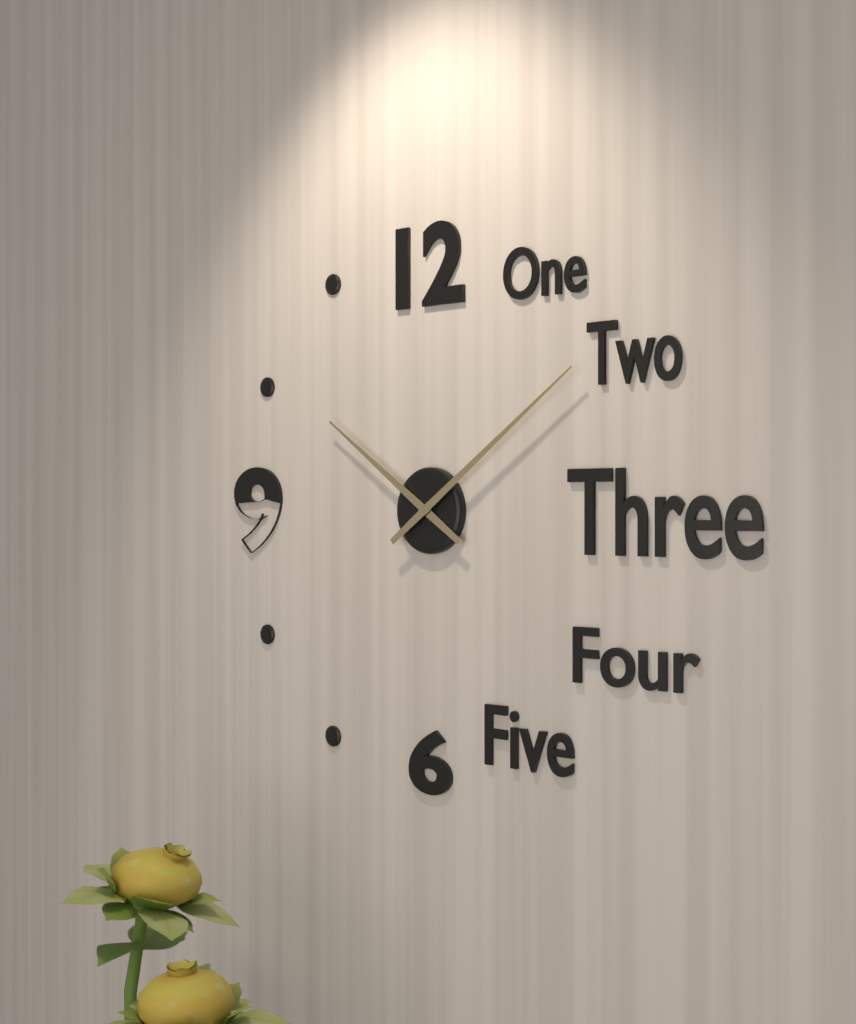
10,09
